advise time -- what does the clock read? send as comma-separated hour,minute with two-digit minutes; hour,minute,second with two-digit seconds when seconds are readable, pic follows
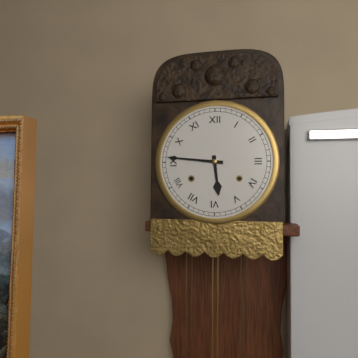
5,46
